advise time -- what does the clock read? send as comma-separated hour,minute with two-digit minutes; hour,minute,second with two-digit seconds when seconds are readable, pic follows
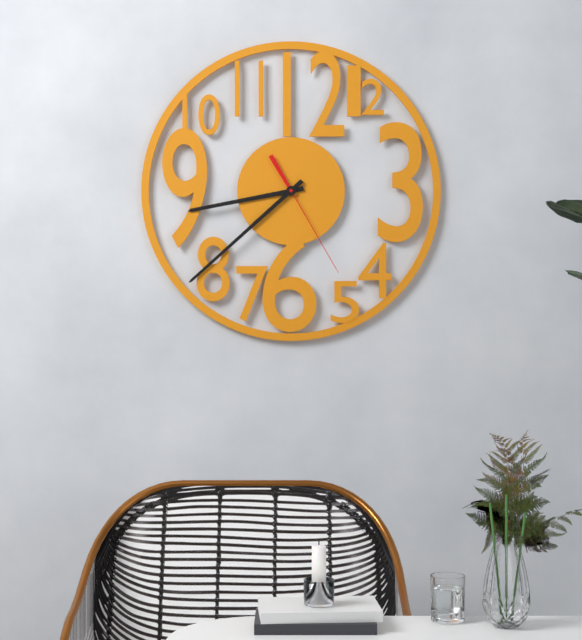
8,38,25
